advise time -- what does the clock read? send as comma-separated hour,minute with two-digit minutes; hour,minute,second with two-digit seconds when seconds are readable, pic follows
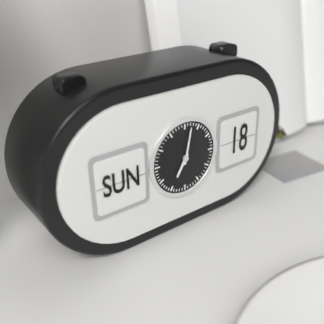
7,02
